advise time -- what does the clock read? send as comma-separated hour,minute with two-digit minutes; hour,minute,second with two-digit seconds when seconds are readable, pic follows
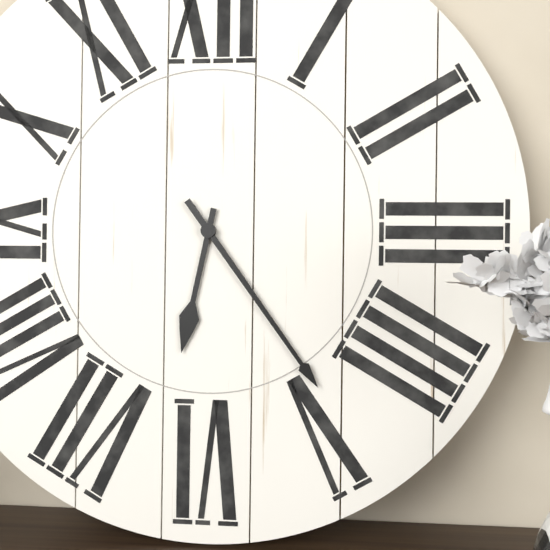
6,24
